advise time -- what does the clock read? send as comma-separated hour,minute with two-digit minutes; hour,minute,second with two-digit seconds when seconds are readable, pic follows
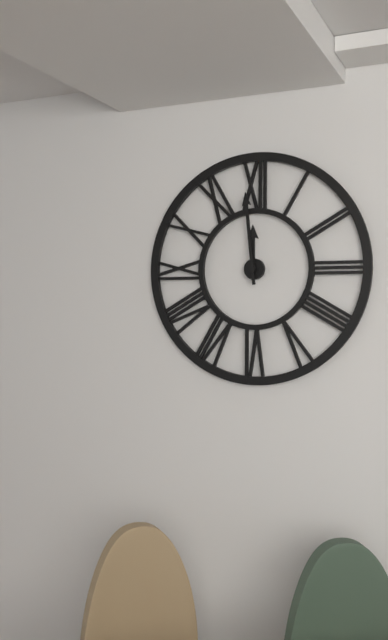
11,59
